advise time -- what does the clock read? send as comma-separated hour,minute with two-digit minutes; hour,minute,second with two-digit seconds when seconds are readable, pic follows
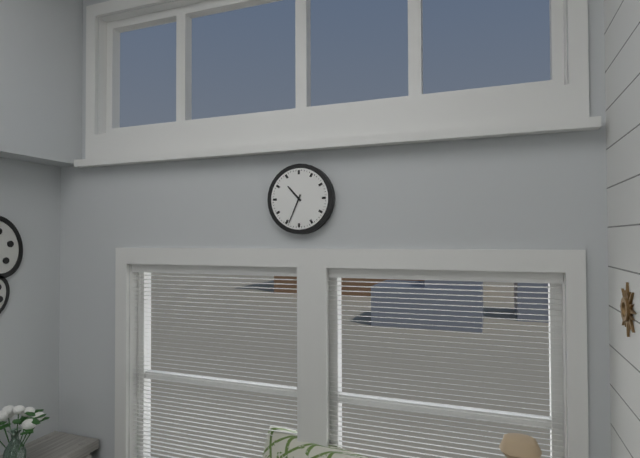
10,34
